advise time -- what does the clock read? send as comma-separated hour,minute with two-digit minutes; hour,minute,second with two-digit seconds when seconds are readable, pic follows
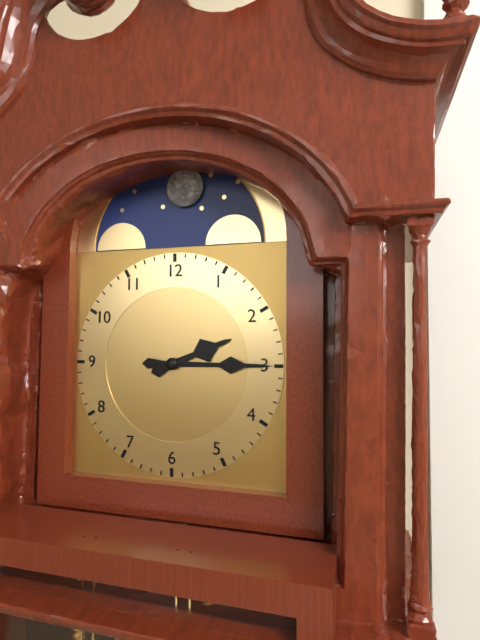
2,15
